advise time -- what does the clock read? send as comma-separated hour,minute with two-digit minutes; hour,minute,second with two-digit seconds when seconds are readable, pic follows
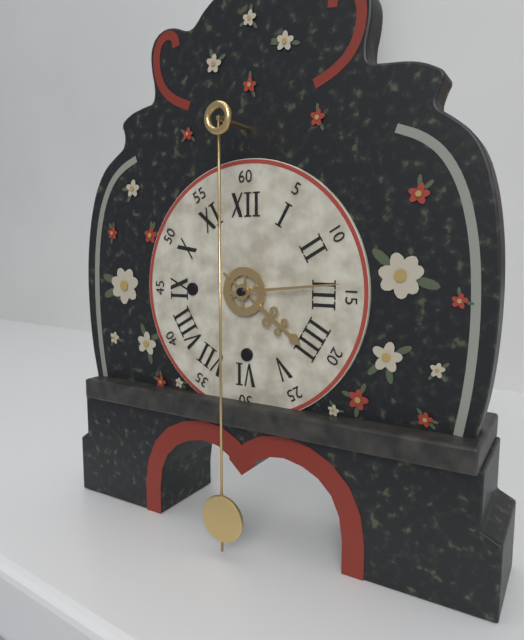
4,14
